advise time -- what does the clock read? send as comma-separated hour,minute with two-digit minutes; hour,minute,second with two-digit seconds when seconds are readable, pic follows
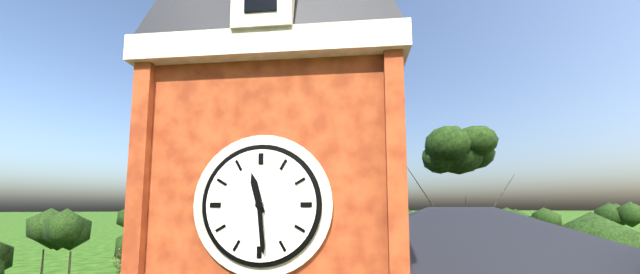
11,29
